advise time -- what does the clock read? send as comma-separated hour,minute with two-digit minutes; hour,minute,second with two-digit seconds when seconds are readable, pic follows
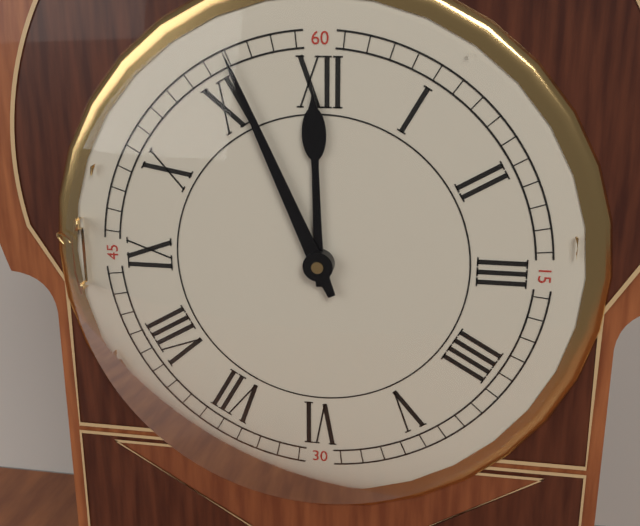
11,56
